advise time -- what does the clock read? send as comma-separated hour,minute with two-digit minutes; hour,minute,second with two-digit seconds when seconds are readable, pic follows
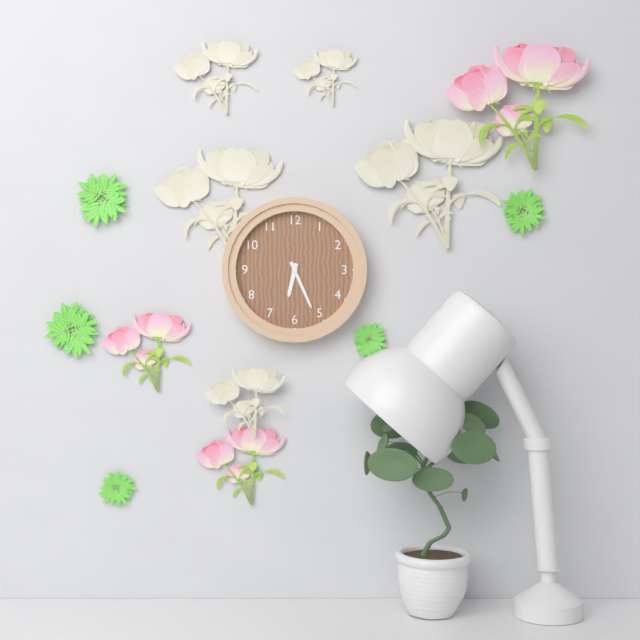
6,26
